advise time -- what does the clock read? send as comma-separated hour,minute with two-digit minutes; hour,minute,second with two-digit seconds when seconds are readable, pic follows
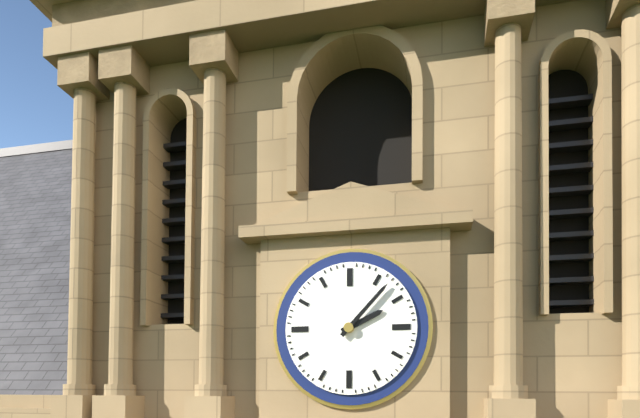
2,07
